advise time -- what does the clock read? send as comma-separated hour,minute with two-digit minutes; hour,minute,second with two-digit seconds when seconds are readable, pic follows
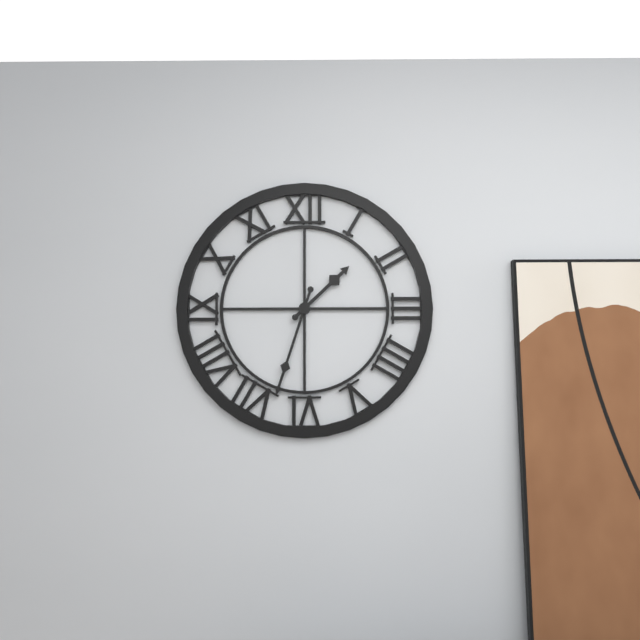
1,33
